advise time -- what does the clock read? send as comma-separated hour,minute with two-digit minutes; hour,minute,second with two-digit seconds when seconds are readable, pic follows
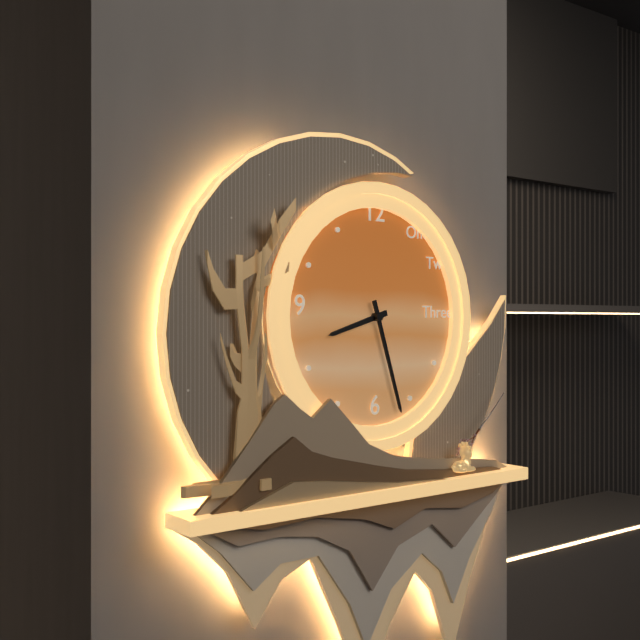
8,27
